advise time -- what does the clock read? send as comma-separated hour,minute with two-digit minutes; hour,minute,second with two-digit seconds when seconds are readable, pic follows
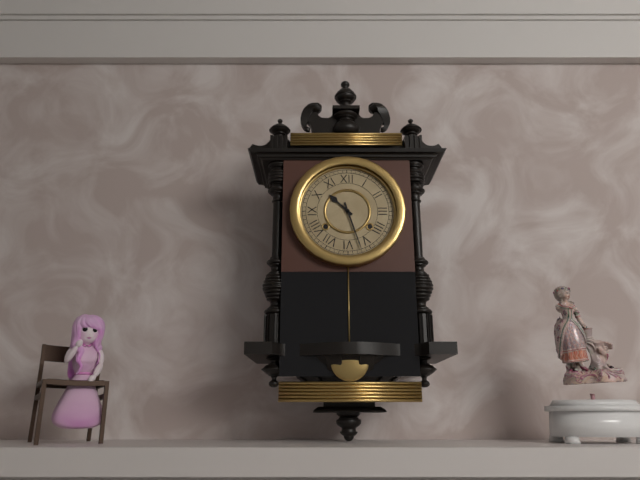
10,27
